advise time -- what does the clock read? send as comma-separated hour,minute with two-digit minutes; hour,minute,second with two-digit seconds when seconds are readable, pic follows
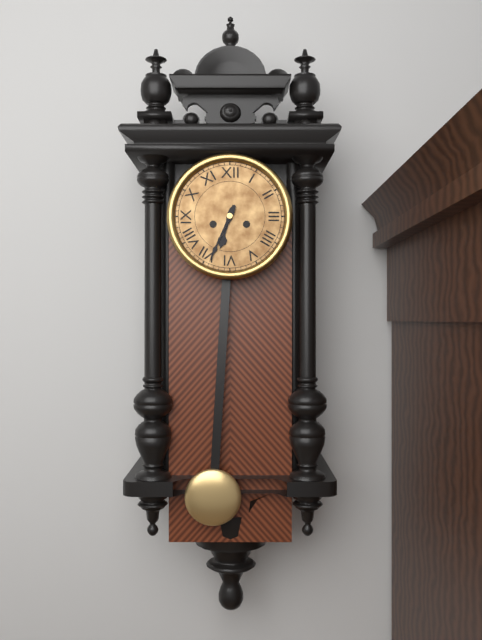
6,34
